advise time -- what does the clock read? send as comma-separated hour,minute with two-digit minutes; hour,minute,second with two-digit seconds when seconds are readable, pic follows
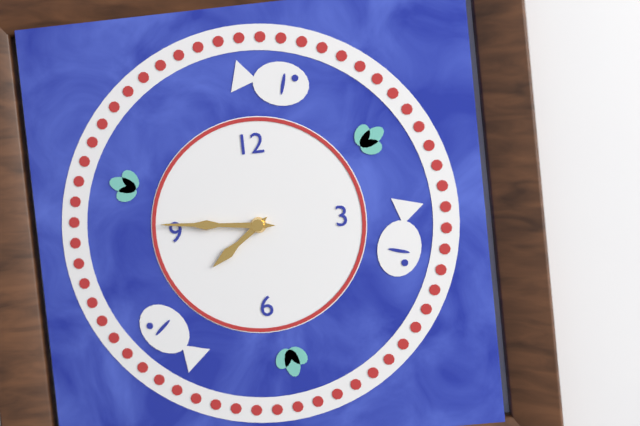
7,46
